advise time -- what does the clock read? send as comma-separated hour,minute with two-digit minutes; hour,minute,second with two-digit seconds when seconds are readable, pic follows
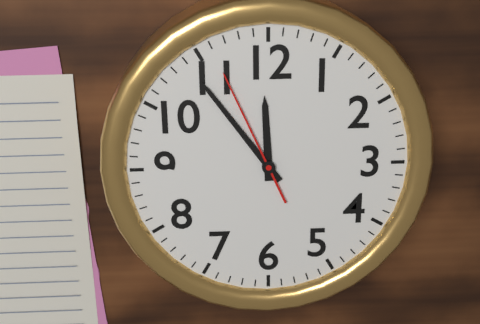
11,54,56
